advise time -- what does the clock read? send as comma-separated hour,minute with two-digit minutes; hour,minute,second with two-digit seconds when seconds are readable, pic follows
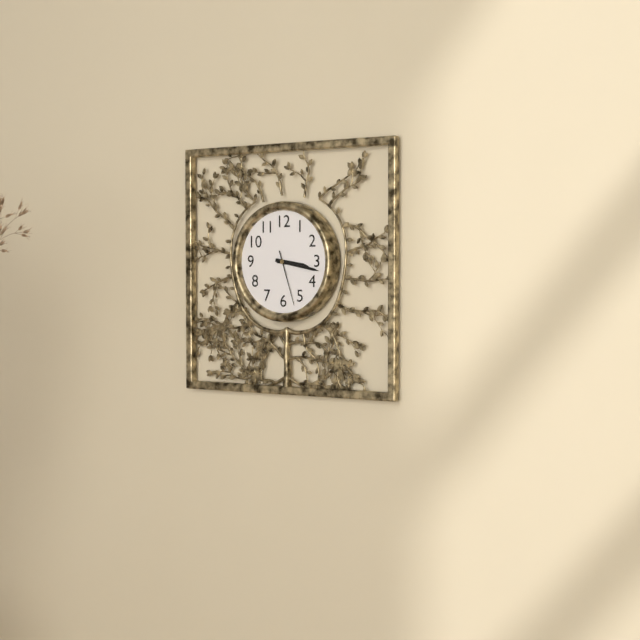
3,17,27
